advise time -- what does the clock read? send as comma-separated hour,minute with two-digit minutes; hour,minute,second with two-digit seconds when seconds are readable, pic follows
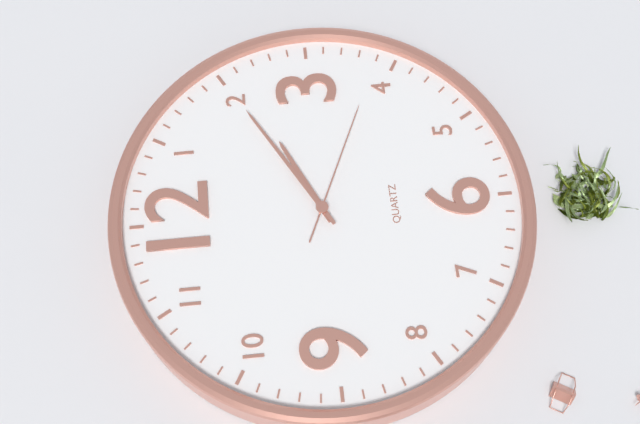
2,10,19
